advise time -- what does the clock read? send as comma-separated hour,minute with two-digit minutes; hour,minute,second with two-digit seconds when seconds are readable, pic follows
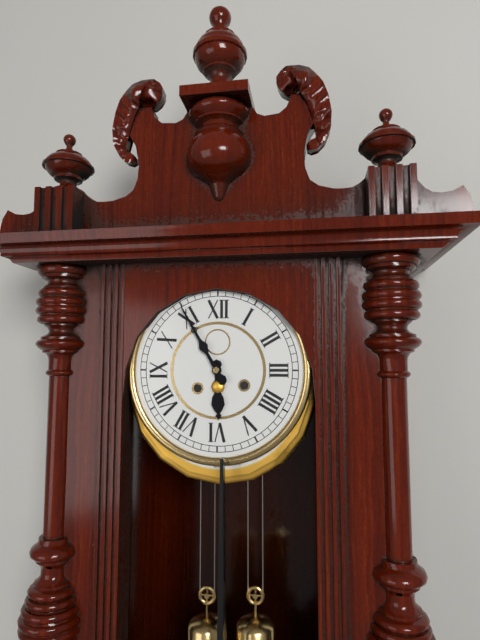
5,55
